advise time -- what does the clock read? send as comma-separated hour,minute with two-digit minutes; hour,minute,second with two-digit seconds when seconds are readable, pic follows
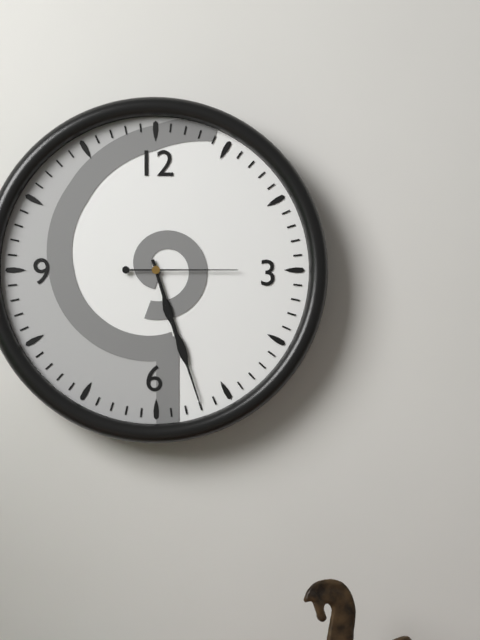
5,27,15
